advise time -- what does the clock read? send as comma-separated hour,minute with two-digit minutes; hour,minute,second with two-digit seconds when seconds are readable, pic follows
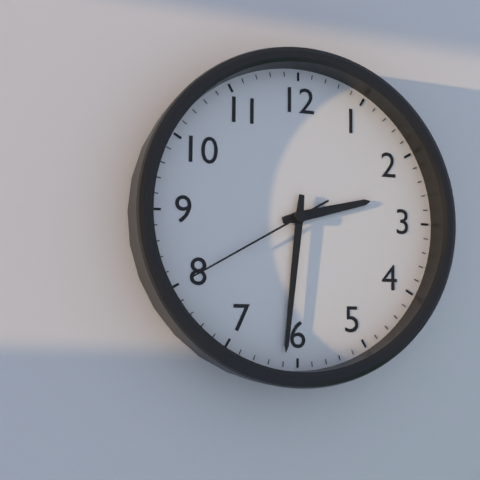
2,31,40
